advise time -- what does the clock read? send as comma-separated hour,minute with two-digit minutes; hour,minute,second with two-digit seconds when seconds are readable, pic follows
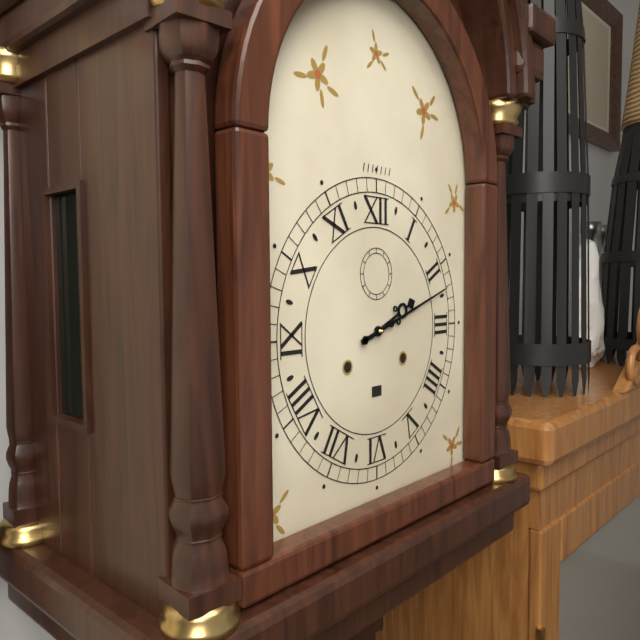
2,12
